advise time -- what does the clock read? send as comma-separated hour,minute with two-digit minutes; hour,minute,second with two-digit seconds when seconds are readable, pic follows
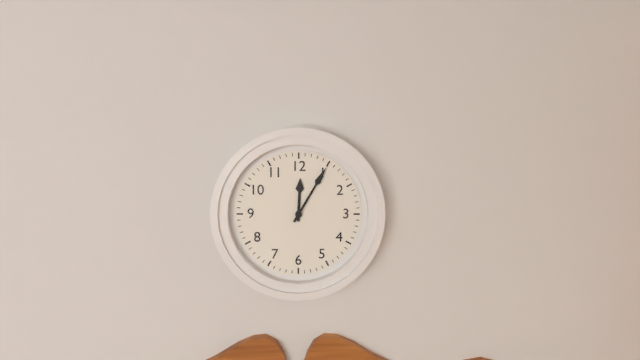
12,05
